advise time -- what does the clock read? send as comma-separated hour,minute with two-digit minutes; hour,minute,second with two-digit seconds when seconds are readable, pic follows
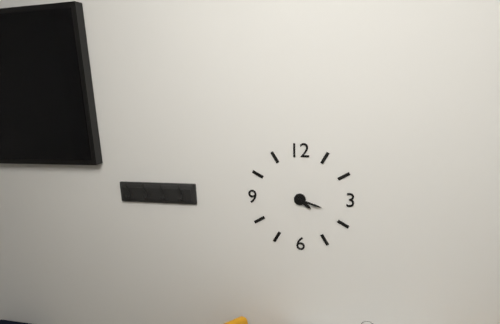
4,18
